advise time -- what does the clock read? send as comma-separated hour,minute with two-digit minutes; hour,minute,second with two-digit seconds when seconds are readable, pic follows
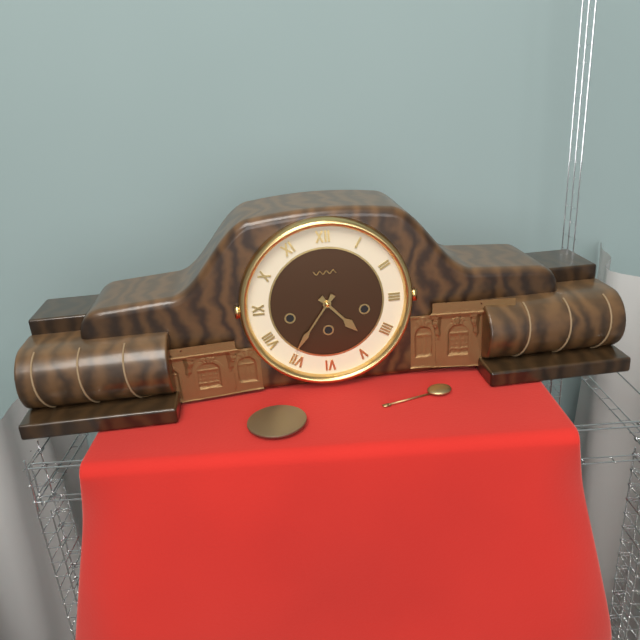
4,36
